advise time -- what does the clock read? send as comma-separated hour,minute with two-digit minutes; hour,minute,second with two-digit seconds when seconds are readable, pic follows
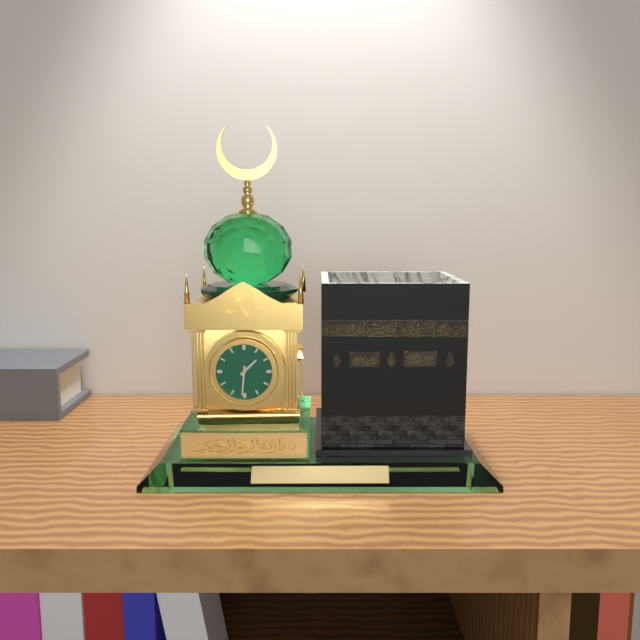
1,31
